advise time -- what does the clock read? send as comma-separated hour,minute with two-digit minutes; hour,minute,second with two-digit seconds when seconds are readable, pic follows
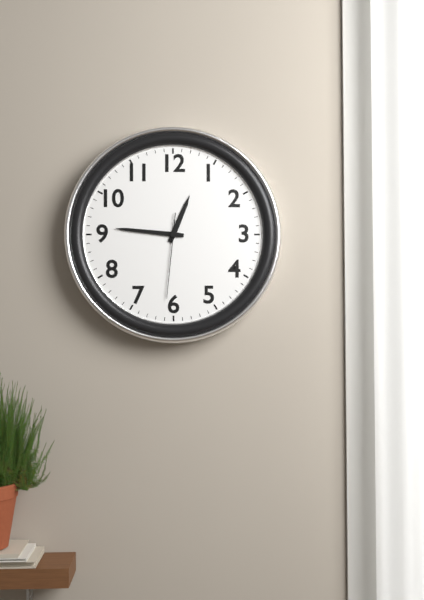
12,46,31
